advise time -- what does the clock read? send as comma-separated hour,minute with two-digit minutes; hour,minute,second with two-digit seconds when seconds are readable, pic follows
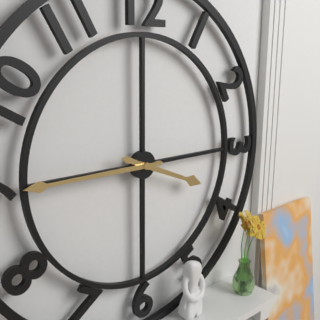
3,45
